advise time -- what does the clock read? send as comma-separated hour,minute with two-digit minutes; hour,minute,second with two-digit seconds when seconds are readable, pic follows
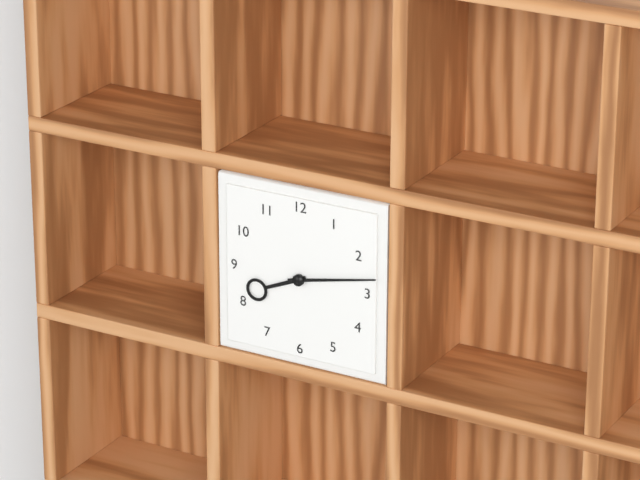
8,13
